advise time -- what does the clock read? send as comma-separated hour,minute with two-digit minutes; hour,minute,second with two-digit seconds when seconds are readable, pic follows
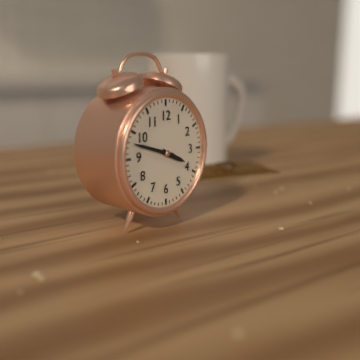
3,48
